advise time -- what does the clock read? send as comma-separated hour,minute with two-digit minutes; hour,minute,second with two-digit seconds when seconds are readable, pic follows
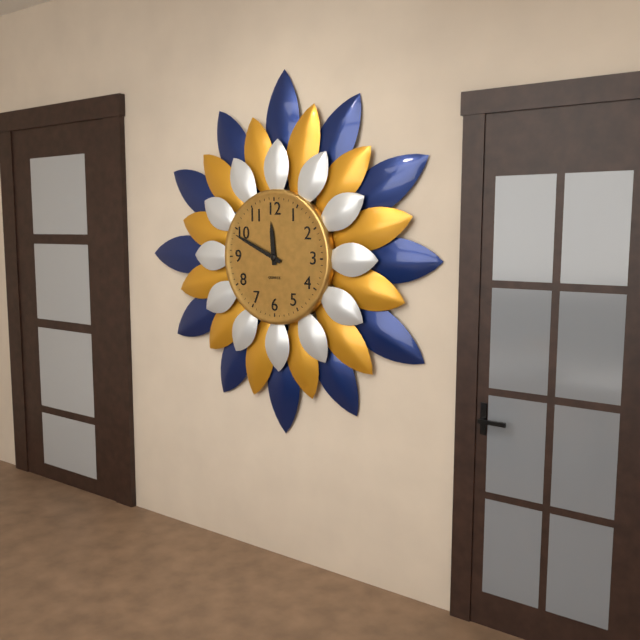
11,49
